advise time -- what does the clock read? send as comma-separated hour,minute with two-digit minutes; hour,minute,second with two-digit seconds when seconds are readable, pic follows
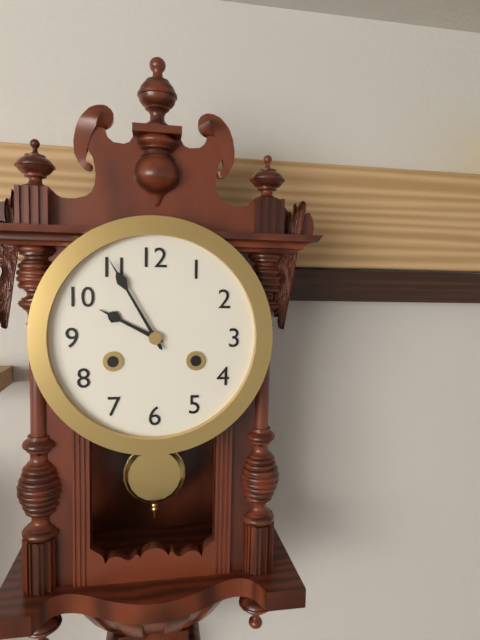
9,55
